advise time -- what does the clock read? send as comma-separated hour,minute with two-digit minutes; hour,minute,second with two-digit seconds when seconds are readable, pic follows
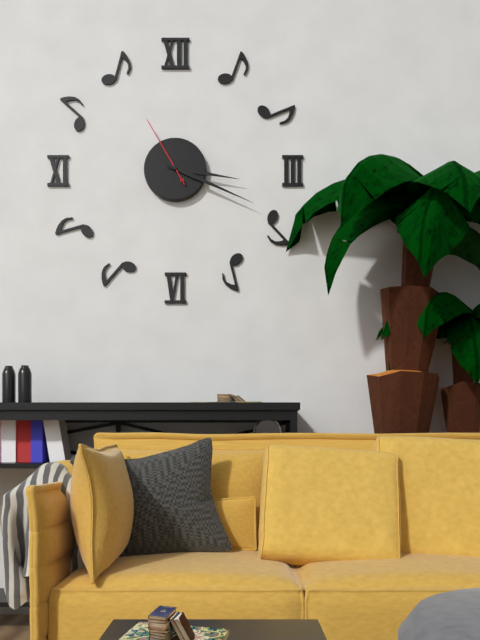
3,19,55
